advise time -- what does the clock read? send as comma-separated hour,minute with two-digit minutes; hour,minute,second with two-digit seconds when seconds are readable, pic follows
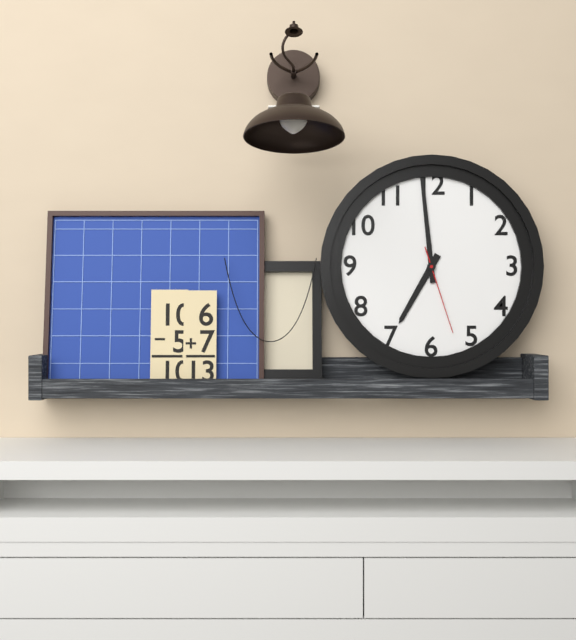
6,59,27
